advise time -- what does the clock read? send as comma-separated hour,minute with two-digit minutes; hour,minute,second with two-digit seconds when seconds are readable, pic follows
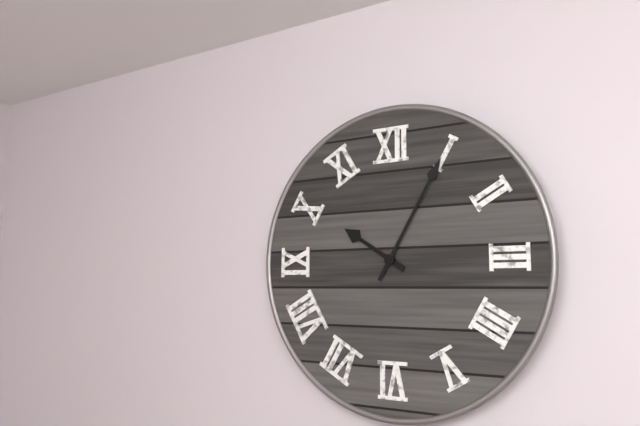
10,05
